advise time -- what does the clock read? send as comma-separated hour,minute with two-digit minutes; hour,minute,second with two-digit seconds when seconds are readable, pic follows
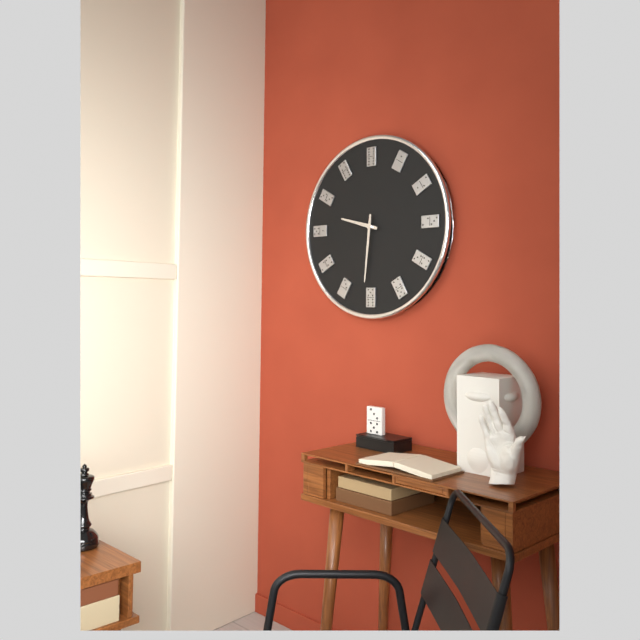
9,31
